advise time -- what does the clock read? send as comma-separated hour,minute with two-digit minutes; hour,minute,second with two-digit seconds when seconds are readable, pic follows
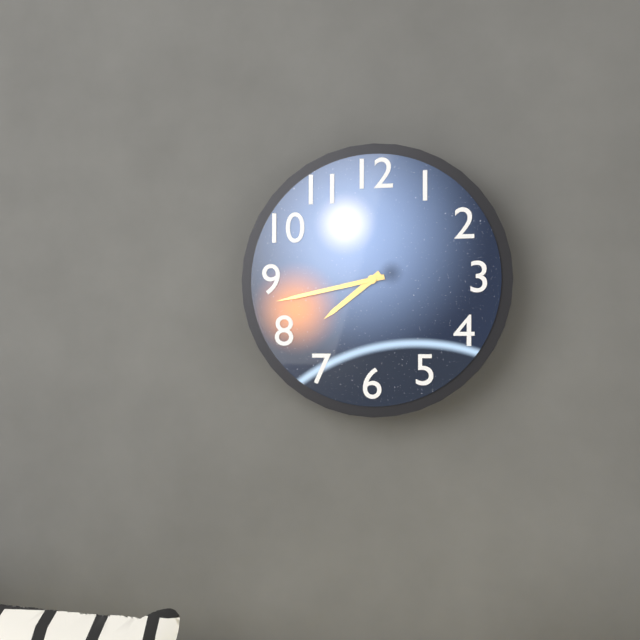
7,43
